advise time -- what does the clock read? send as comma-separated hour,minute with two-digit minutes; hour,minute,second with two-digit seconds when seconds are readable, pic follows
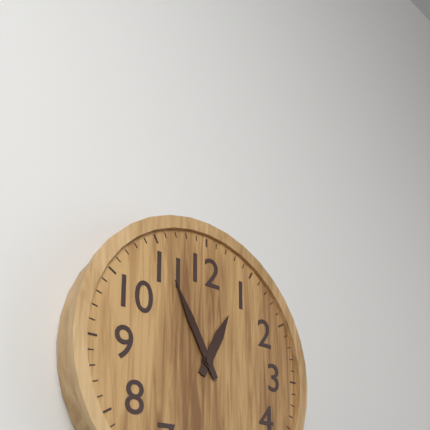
12,55
